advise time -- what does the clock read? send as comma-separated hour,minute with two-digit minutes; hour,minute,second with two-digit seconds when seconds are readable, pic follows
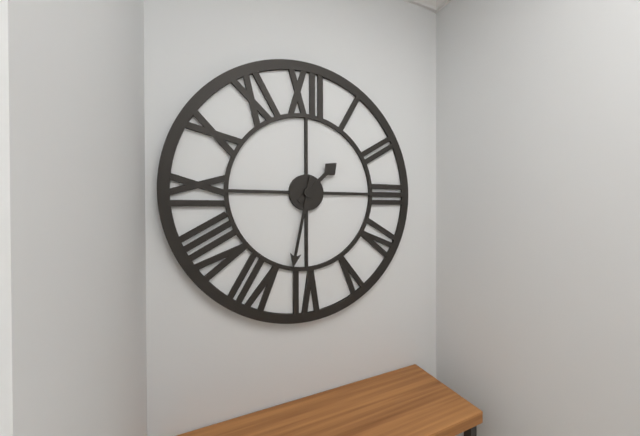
1,32
